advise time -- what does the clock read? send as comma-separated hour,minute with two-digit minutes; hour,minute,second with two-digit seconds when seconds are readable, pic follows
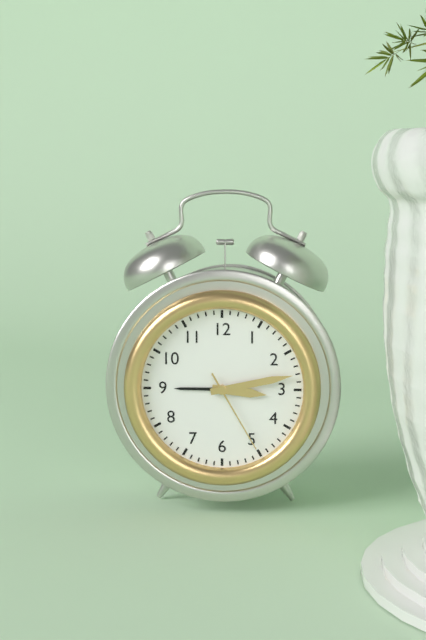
3,13,25
